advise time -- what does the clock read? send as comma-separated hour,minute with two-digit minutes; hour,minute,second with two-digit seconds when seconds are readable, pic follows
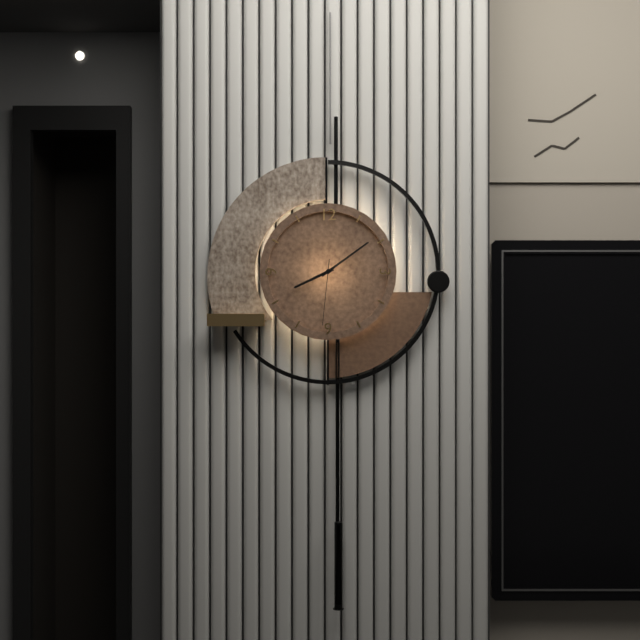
8,09,31
